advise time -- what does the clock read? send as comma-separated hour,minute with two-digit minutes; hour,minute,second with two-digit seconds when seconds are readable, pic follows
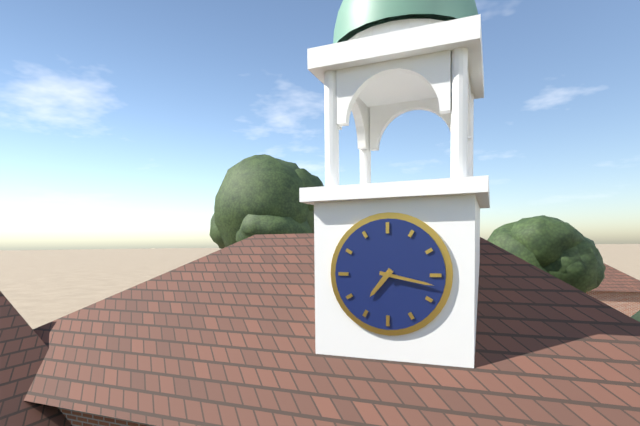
7,17
